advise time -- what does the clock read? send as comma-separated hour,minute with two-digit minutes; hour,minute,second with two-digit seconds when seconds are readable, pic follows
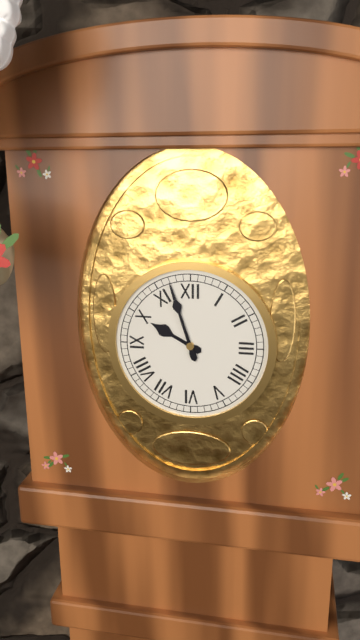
9,57
